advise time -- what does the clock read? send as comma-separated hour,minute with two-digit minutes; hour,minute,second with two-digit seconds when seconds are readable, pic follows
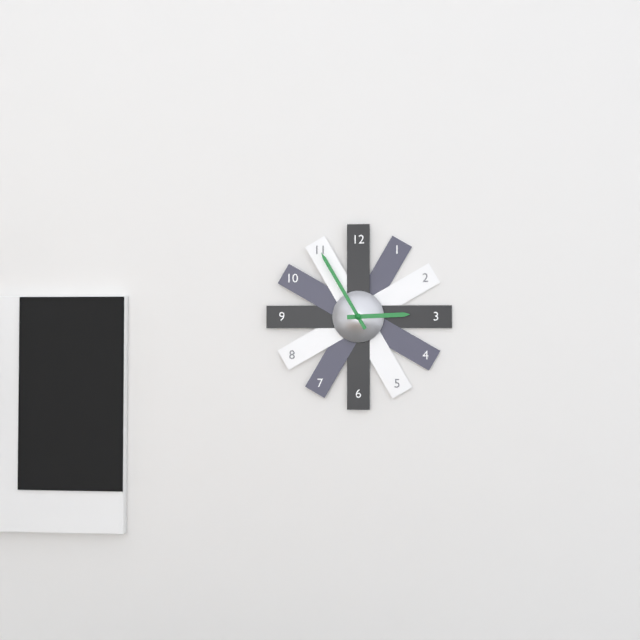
2,55
